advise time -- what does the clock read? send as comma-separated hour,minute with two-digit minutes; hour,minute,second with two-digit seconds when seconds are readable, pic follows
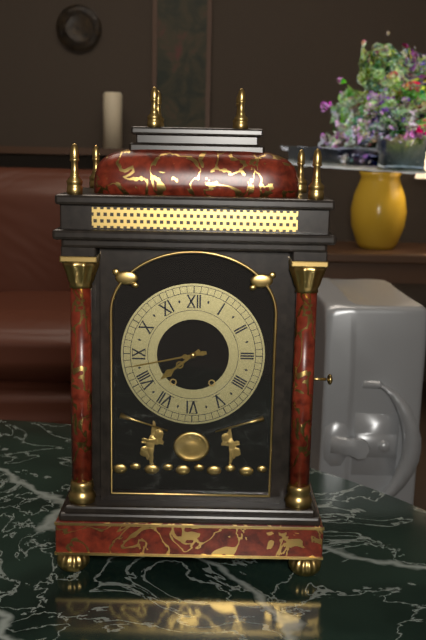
7,43
